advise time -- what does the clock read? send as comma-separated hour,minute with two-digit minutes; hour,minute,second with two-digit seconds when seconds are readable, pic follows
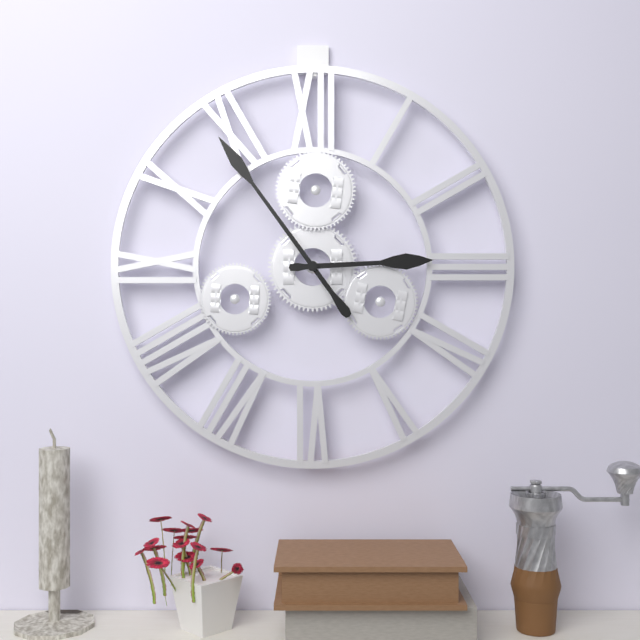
2,54
